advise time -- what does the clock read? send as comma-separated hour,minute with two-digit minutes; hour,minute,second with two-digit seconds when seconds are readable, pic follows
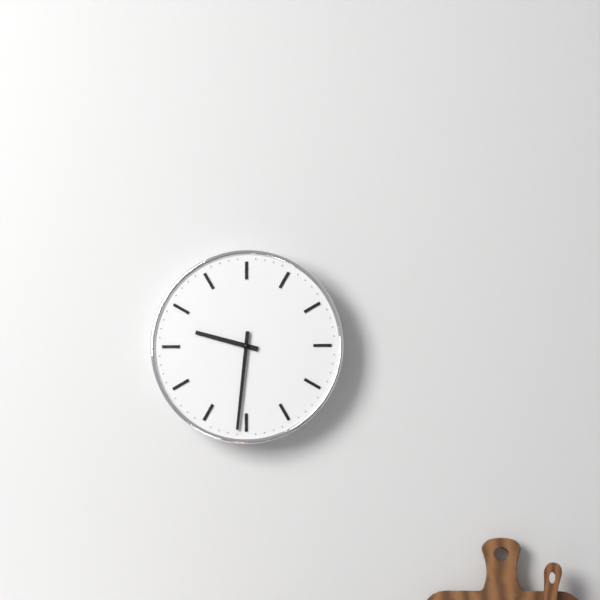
9,31
